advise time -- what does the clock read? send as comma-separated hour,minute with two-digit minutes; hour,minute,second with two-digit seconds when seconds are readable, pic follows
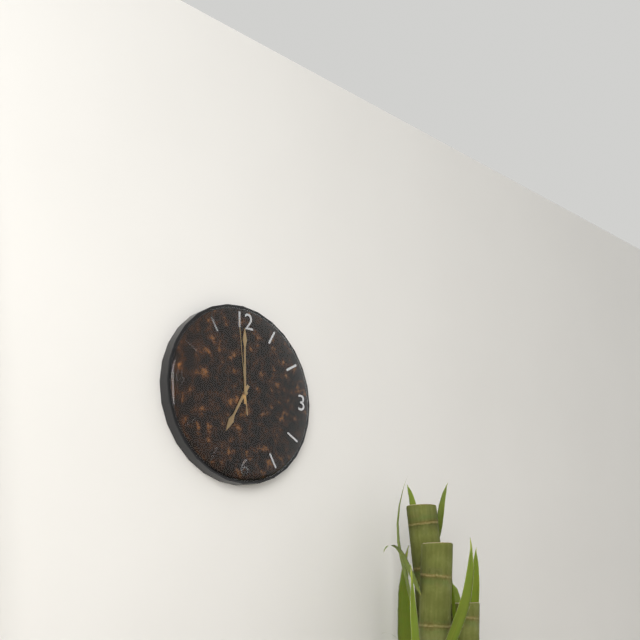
7,00,59
